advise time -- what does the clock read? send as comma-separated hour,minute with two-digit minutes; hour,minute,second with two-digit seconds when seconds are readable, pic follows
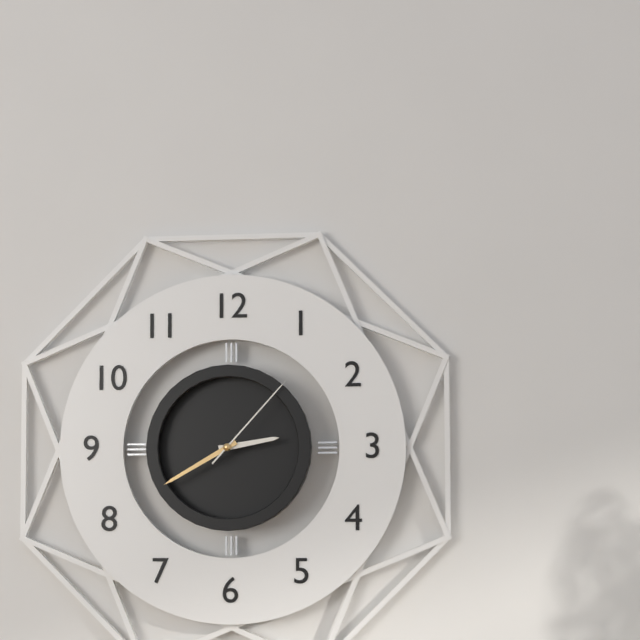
2,40,07
